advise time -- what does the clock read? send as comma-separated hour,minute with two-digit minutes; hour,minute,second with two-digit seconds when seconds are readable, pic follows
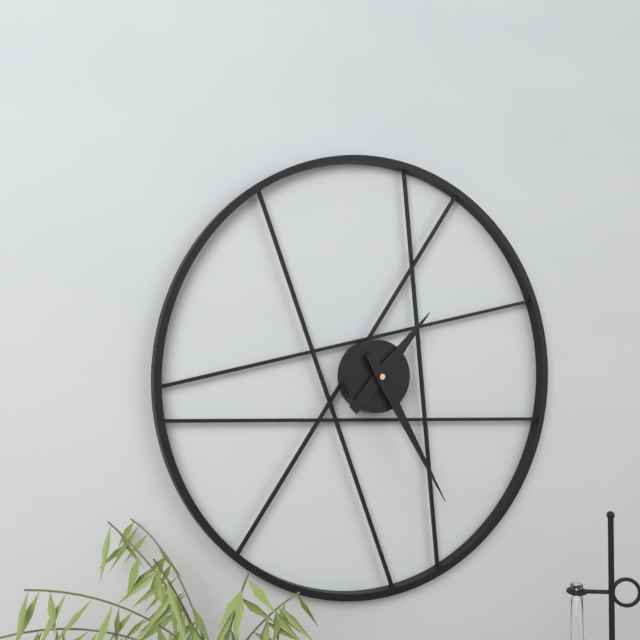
1,25
